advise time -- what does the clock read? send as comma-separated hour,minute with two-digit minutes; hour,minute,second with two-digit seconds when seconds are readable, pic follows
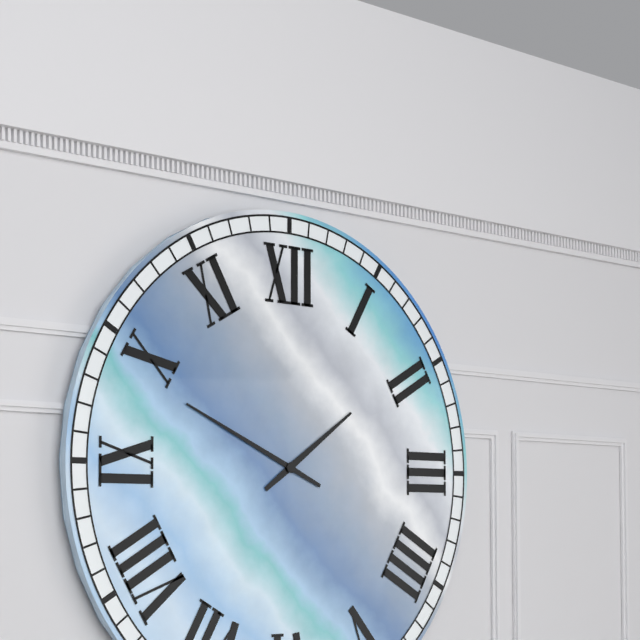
1,49
